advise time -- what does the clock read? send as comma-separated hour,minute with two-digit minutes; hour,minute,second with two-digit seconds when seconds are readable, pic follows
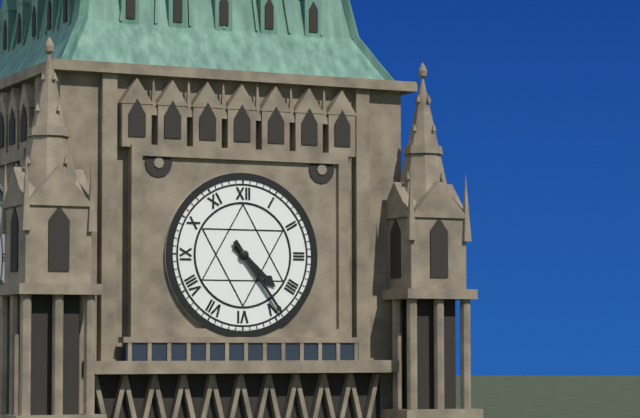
4,24
